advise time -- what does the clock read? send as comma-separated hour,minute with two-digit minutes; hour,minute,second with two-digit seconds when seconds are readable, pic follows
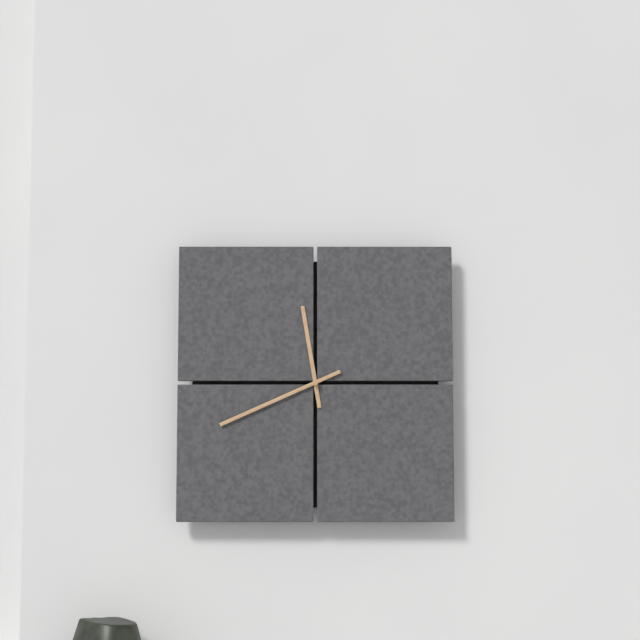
11,41
